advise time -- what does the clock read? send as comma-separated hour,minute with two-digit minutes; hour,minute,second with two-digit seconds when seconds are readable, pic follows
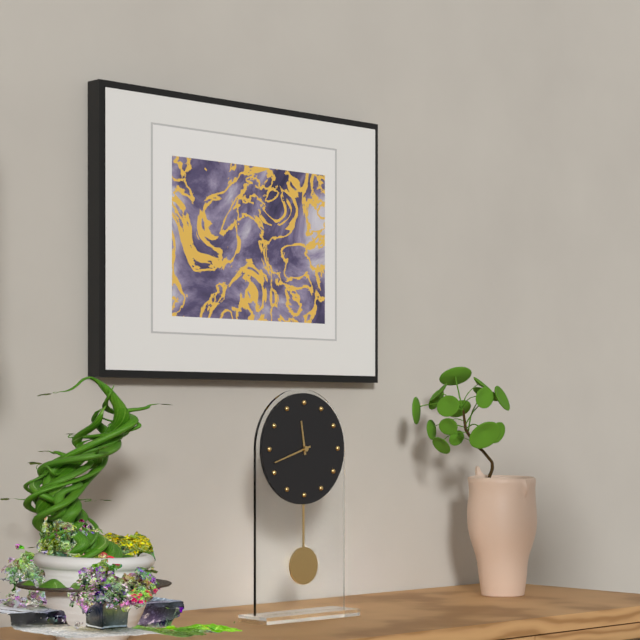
11,42
